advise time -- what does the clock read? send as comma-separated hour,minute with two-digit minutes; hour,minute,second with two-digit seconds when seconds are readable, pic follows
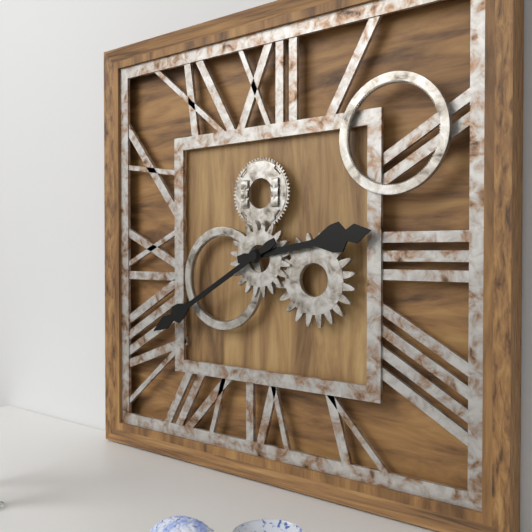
2,40
